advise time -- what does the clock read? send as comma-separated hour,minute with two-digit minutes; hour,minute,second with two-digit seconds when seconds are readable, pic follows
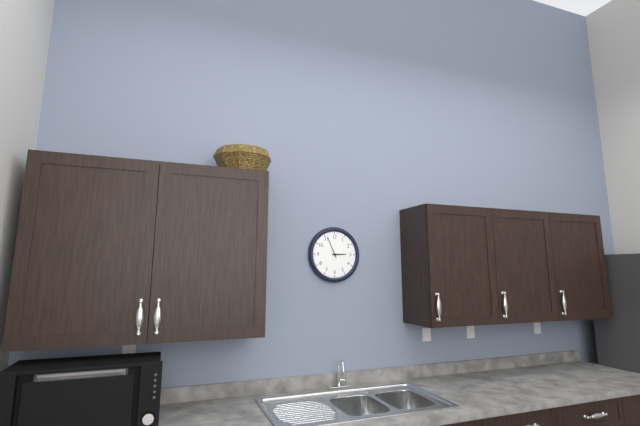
2,56
